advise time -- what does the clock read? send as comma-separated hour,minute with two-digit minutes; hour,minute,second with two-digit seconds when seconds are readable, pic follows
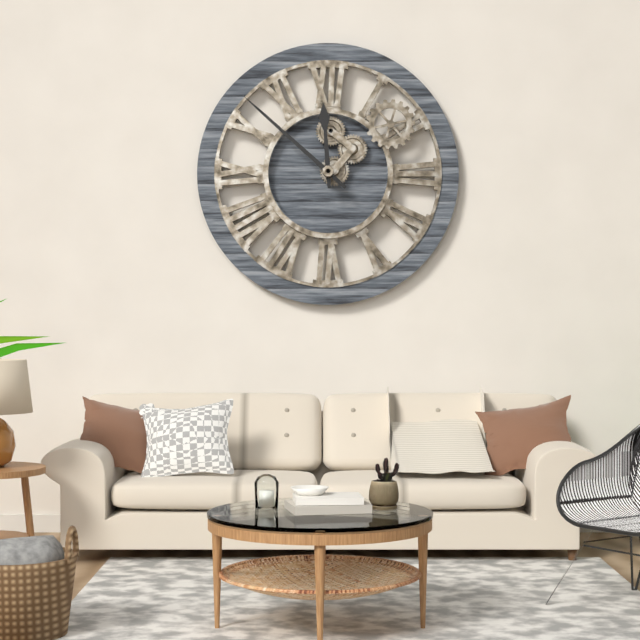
11,52
